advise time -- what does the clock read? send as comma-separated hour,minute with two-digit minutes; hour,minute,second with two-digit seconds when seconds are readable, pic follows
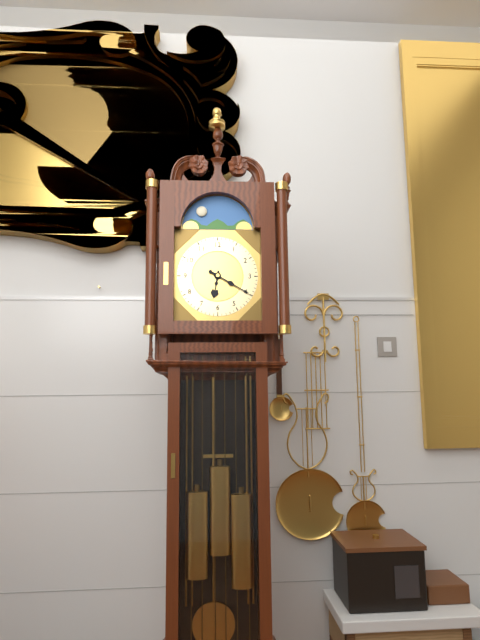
6,20
